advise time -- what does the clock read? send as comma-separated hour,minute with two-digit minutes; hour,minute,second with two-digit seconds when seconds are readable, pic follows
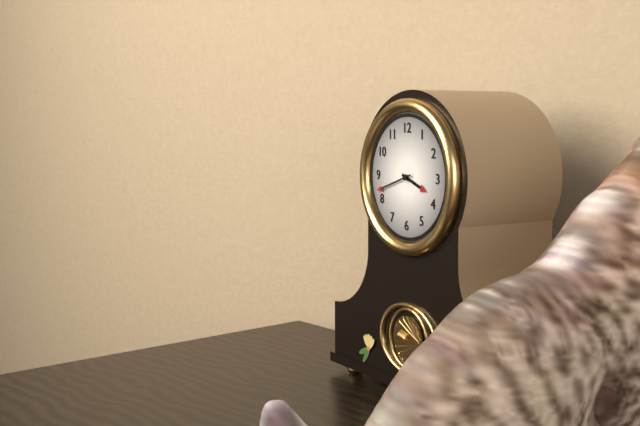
3,42
